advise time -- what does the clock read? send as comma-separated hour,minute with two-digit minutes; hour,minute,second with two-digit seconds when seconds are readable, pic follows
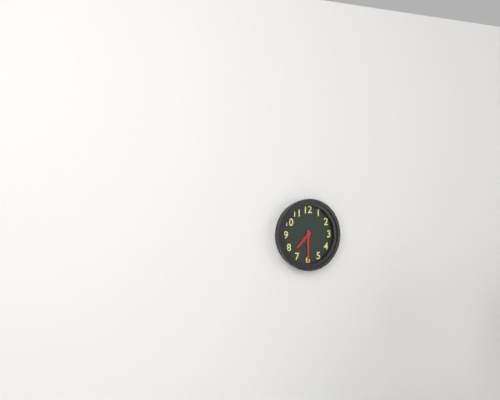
7,30
